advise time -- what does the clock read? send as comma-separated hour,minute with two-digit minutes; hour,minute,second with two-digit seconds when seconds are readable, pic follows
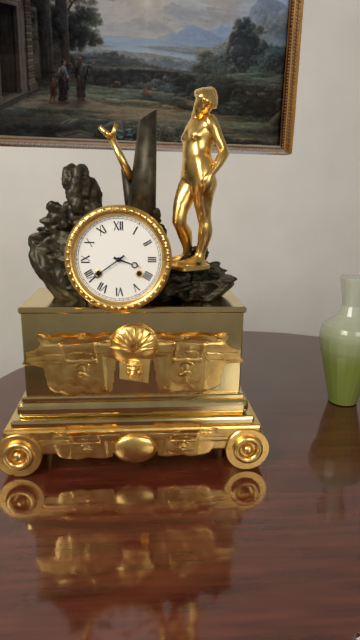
3,39
